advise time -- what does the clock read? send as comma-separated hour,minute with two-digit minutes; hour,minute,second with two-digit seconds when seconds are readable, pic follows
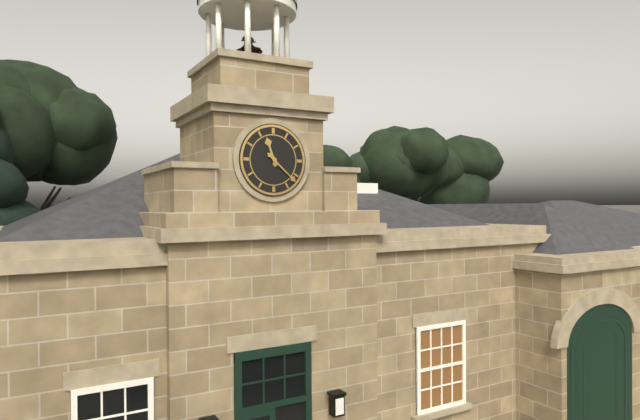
11,22
